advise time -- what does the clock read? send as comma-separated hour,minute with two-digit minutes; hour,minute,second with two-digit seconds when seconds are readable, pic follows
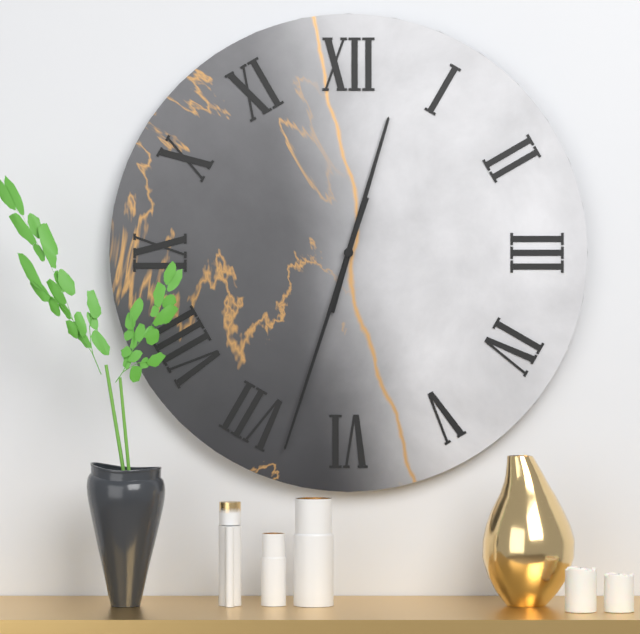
12,33
